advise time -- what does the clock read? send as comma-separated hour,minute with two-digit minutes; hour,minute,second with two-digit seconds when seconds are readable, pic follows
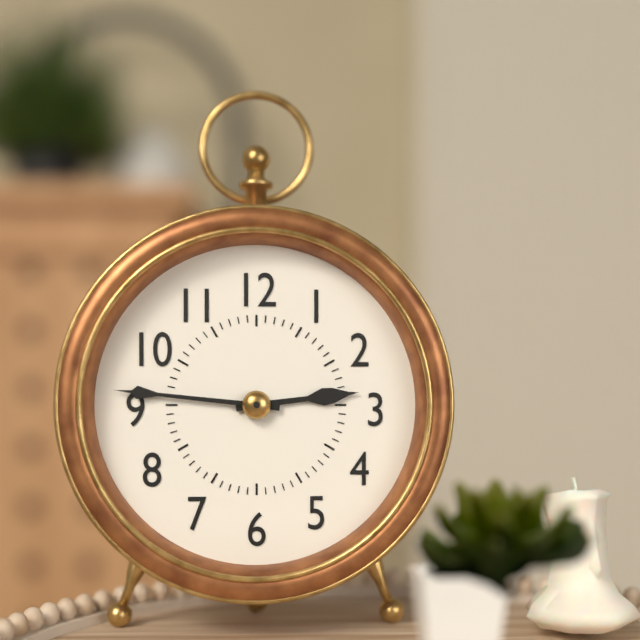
2,46
